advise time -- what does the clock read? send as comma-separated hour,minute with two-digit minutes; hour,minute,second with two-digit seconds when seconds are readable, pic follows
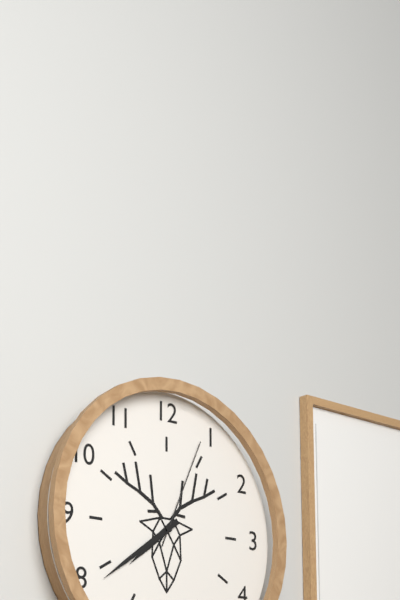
7,39,04
